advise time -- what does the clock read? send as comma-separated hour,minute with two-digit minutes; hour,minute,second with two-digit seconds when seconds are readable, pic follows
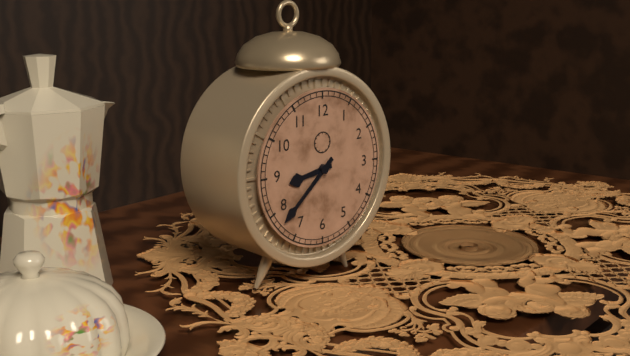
8,38
